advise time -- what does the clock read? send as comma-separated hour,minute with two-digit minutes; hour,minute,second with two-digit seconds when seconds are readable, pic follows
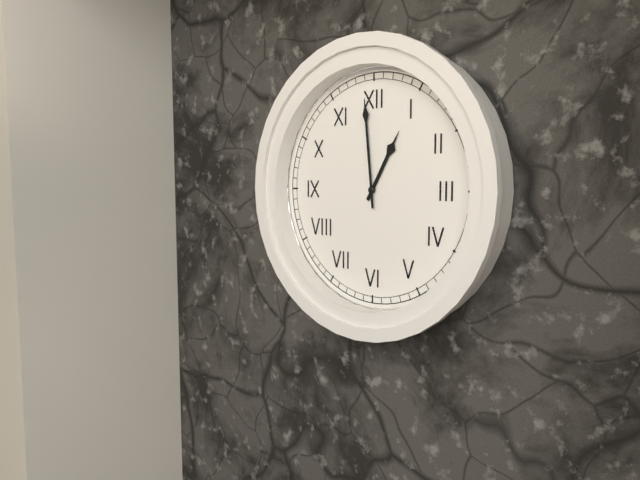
12,59
